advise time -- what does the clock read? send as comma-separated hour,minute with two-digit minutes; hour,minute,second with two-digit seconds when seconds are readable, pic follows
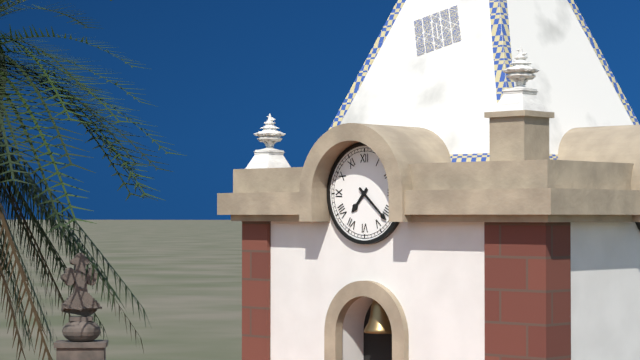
7,22
